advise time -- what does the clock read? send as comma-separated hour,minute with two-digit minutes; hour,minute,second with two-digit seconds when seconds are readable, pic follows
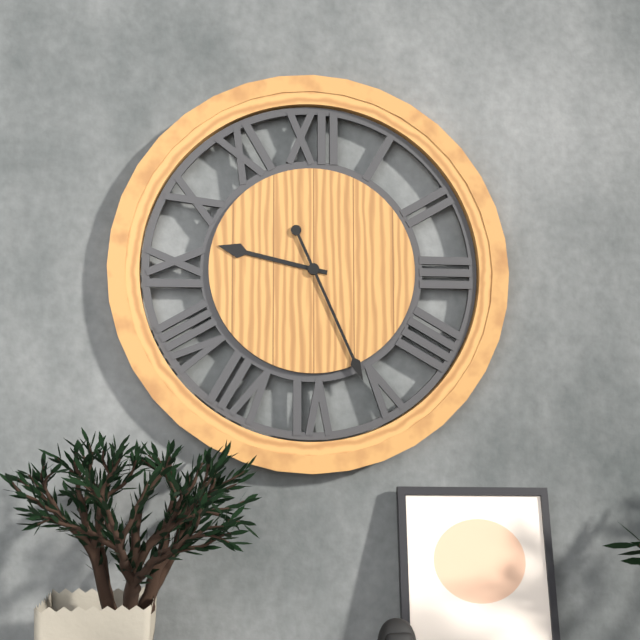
9,26
